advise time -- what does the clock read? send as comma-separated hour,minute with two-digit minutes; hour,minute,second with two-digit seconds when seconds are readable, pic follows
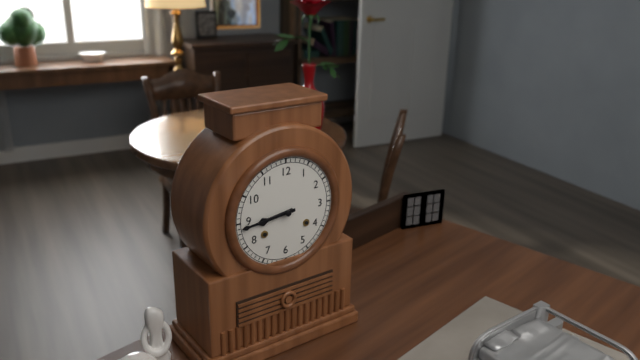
8,44
